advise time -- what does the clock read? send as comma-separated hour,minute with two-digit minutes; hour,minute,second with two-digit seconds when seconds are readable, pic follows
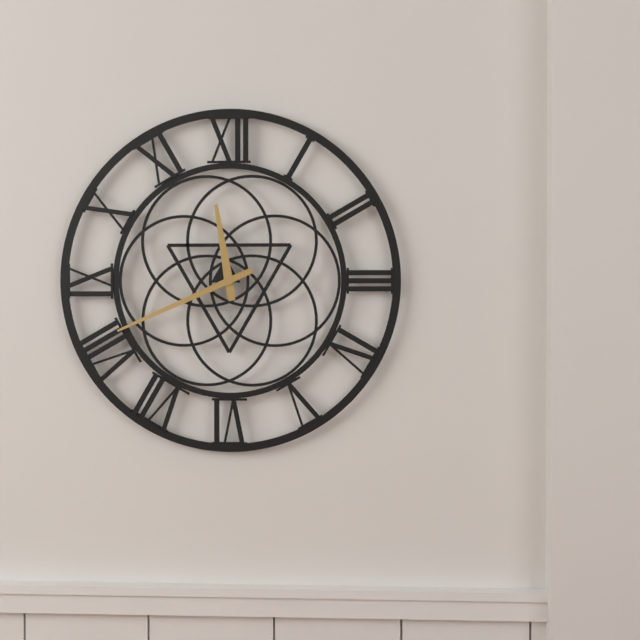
11,41
